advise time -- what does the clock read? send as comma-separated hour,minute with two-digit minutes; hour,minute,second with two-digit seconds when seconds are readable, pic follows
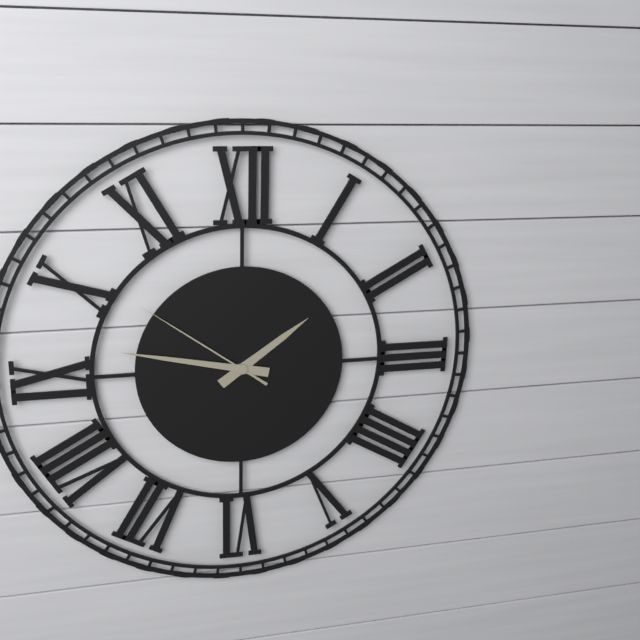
1,47,51
